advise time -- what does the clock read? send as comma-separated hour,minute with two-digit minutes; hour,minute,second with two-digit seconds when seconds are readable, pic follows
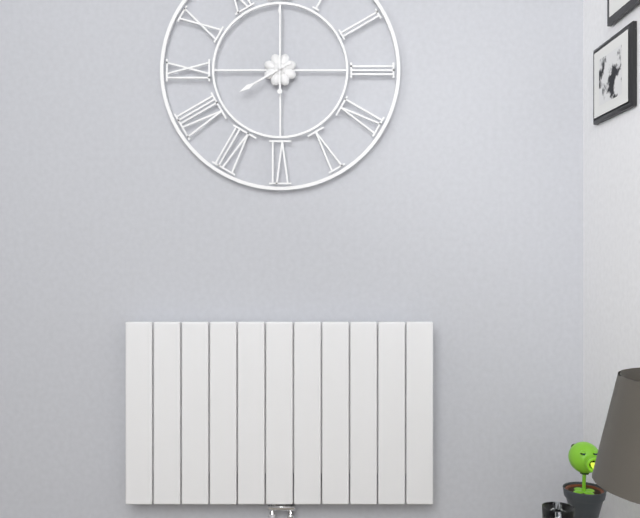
8,00
